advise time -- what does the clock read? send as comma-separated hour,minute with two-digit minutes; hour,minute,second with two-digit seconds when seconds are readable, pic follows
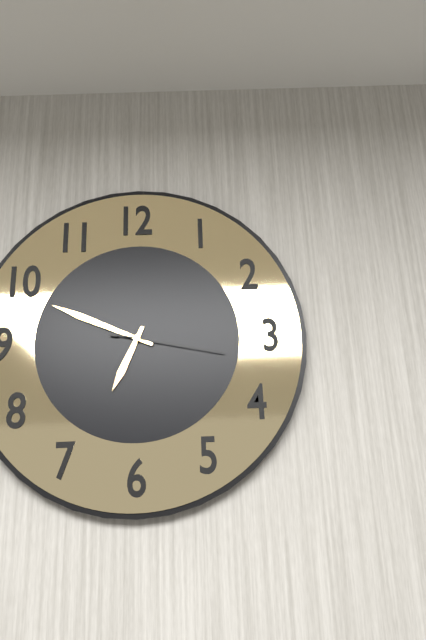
6,49,17
